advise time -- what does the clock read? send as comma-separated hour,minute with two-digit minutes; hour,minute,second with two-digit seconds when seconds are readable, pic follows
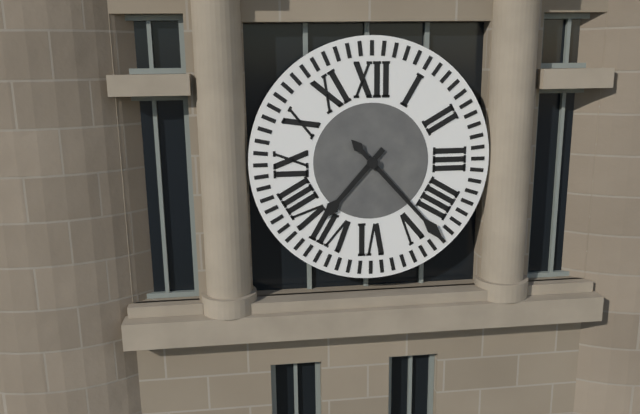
7,23
